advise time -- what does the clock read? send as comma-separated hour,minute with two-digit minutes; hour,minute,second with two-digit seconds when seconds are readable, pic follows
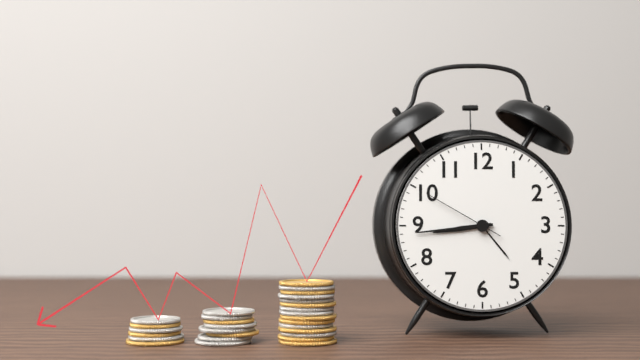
8,44,50
